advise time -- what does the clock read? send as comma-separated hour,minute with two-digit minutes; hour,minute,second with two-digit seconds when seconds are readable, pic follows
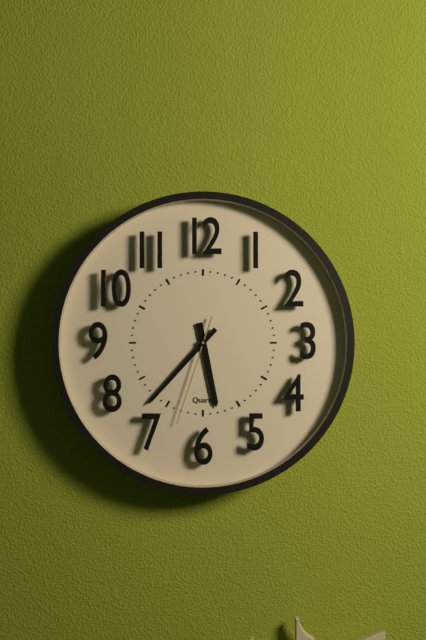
5,37,33
